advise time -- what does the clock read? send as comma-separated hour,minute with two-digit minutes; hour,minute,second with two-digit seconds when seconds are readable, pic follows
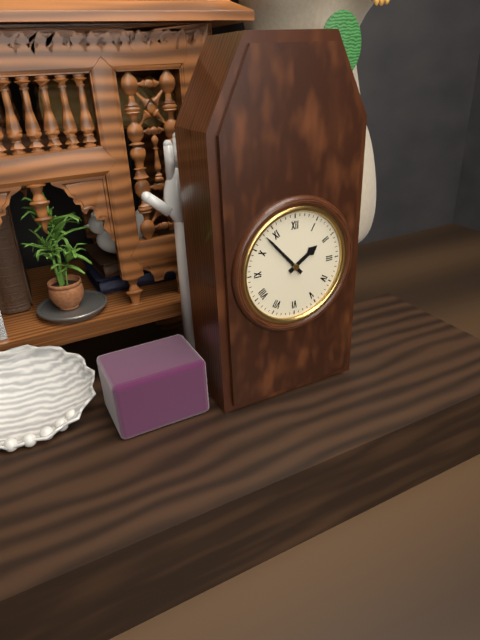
1,53
